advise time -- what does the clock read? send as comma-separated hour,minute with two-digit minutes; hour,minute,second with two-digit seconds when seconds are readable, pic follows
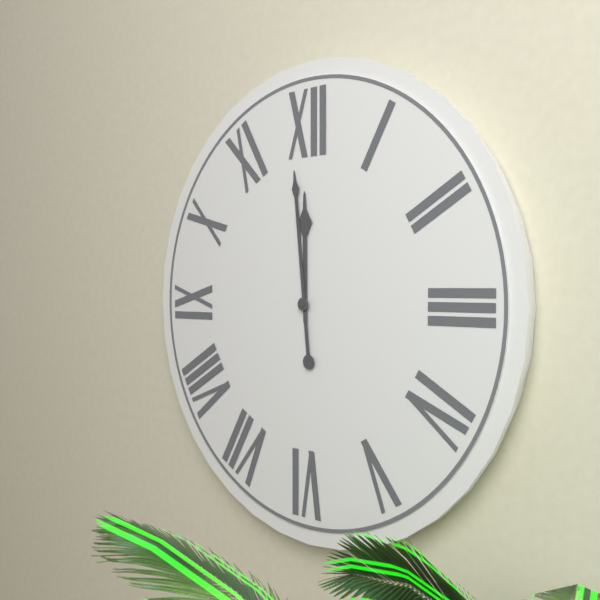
11,59
